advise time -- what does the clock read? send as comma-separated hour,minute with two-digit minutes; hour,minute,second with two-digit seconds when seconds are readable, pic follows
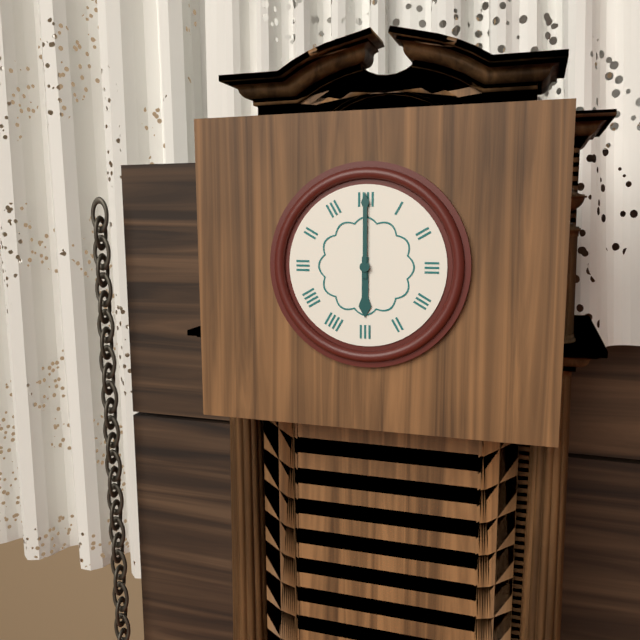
6,00
